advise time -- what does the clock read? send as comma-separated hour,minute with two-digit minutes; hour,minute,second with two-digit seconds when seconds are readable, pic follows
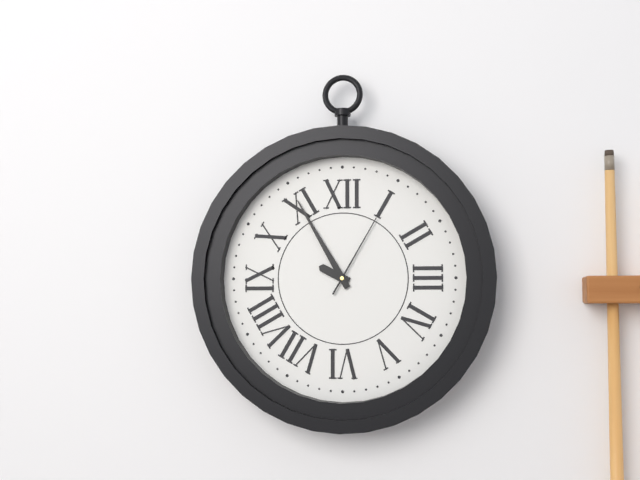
9,55,05
